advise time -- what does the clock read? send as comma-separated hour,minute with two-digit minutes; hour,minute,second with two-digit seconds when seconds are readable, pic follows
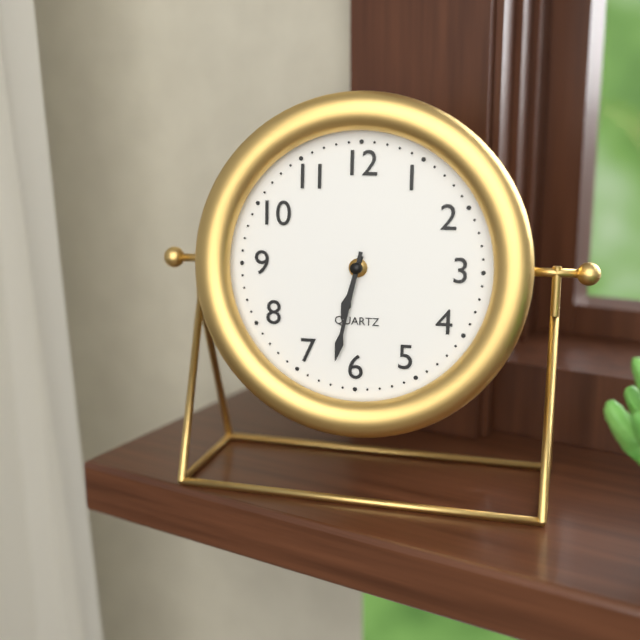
6,32
